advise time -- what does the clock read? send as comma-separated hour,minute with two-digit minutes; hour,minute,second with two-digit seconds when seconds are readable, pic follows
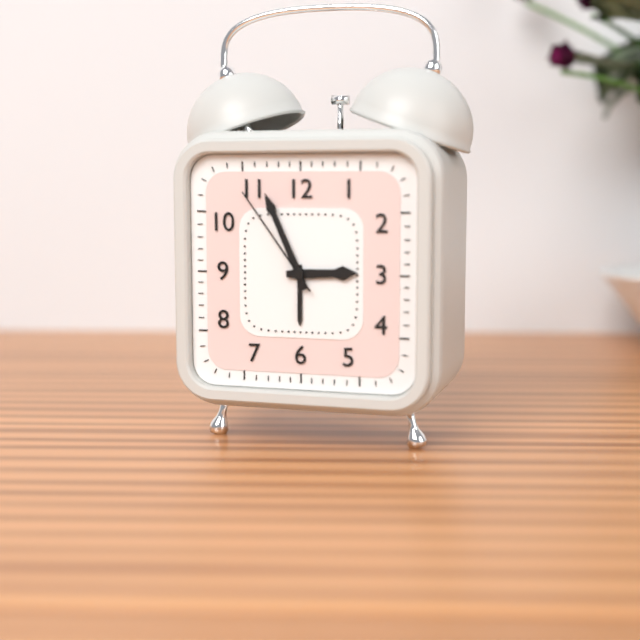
2,56,54
